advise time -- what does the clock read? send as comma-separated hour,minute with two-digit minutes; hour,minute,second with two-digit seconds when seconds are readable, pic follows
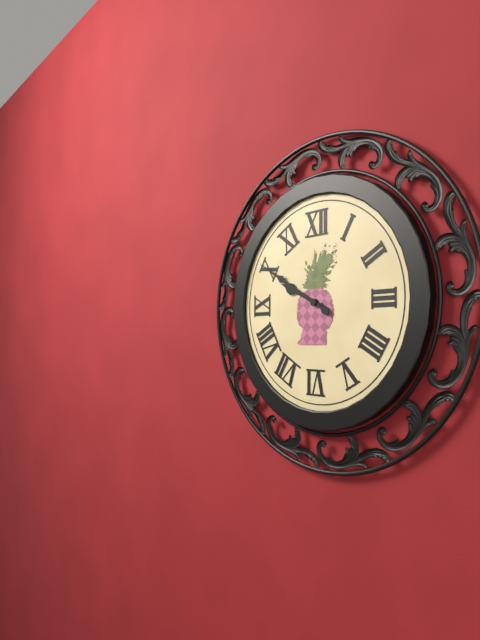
9,50
